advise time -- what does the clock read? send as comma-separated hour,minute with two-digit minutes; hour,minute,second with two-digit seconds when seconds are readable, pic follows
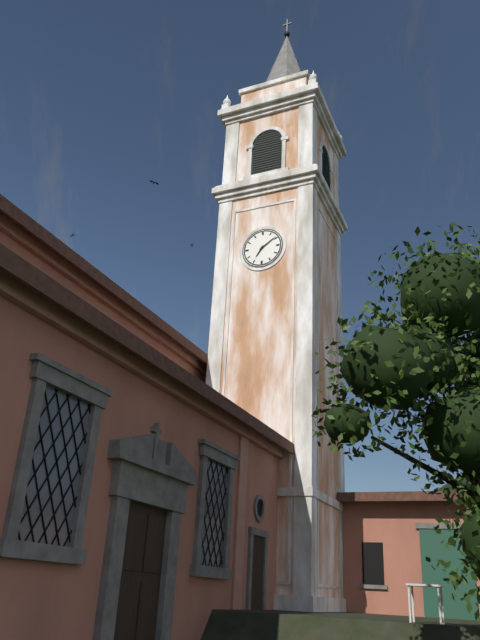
7,09
